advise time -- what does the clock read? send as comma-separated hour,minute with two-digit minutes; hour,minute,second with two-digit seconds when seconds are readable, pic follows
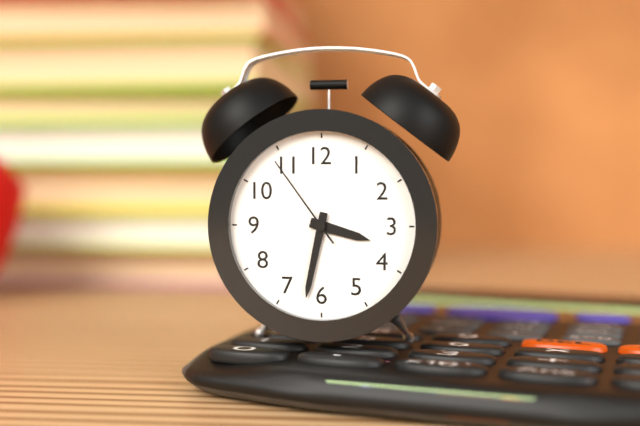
3,32,54
